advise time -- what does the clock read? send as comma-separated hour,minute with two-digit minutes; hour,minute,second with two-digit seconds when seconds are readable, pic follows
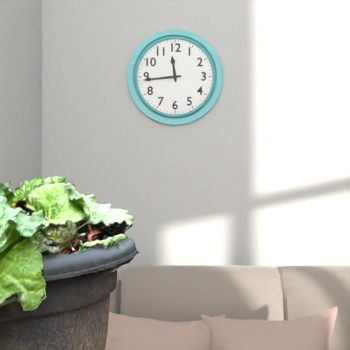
11,44
